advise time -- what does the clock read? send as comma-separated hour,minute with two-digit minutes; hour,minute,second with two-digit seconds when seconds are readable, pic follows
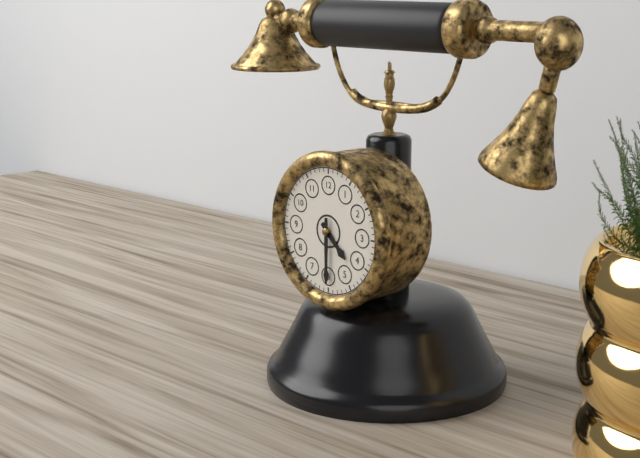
4,30
